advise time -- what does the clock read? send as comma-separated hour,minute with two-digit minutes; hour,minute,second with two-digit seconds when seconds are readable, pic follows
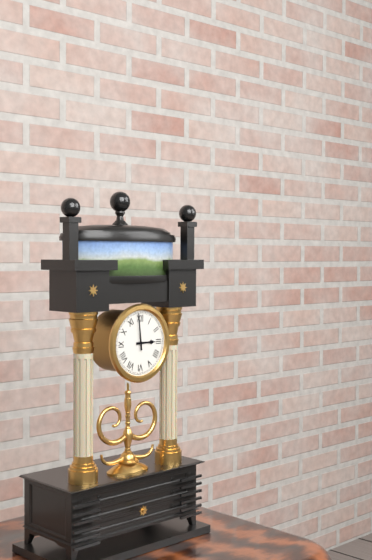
2,59
